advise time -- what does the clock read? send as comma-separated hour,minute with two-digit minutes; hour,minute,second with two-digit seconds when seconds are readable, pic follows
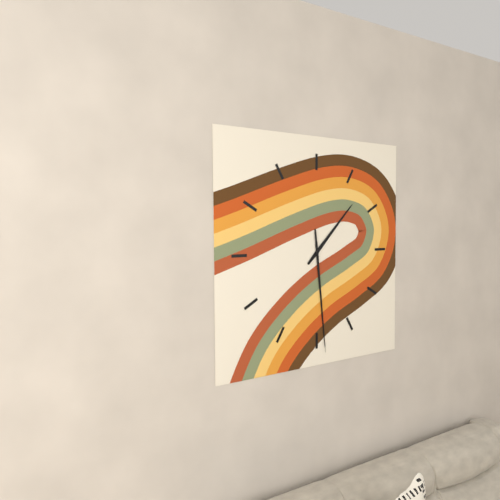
1,29
